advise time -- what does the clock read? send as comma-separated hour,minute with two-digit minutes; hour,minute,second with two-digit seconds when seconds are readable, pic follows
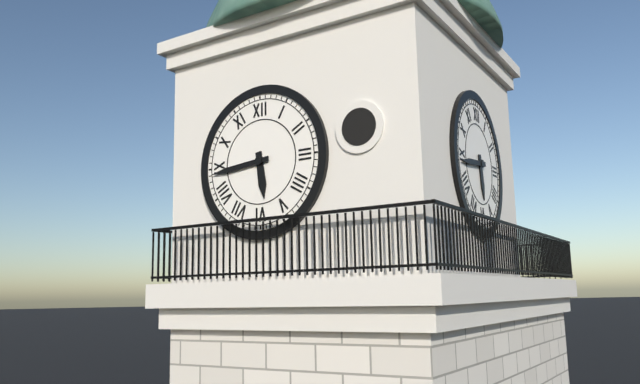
5,44
